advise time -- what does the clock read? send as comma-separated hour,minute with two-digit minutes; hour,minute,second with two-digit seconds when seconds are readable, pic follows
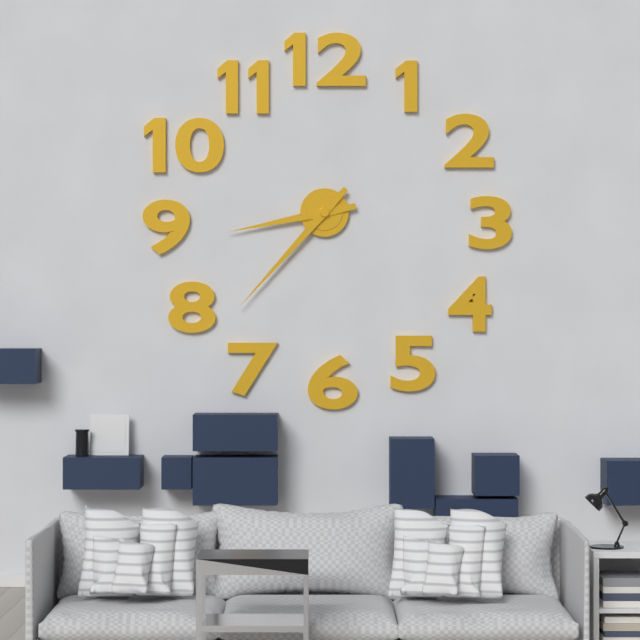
8,37
